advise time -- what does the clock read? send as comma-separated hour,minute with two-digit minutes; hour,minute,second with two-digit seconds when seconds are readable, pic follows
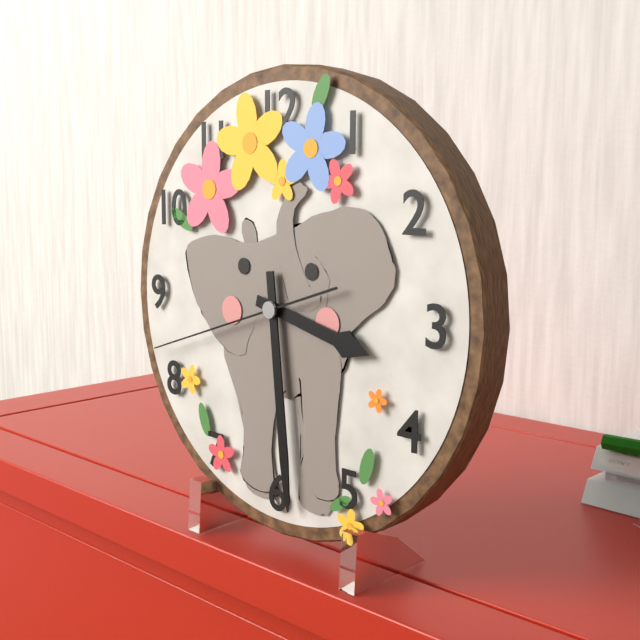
3,29,42
